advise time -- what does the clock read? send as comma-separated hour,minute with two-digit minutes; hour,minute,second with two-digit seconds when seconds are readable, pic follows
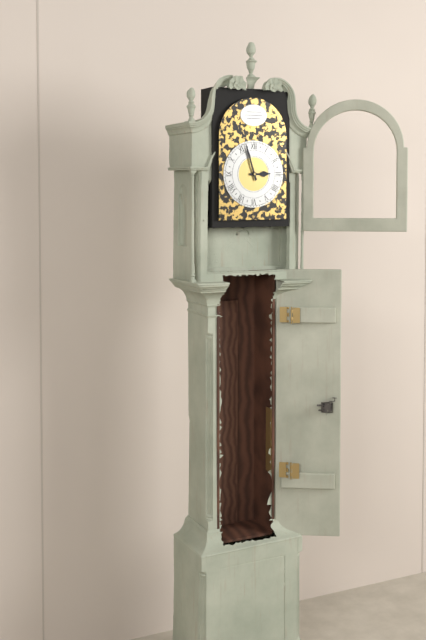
2,57
